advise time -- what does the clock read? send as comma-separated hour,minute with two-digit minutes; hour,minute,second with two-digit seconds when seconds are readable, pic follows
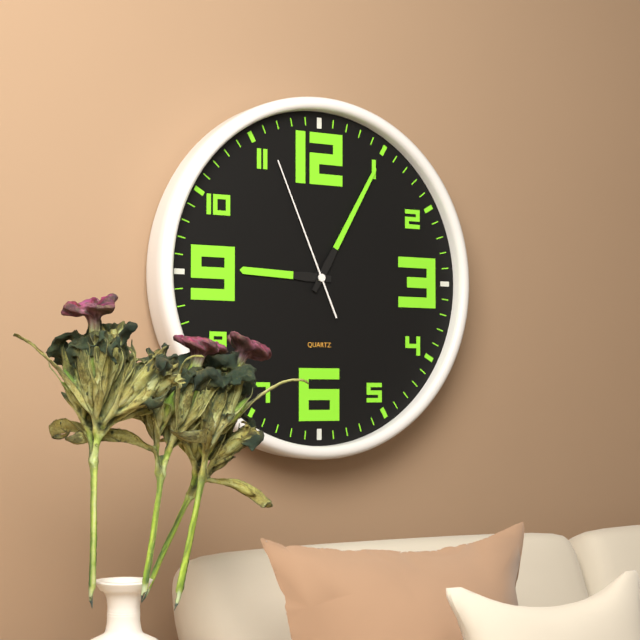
9,05,56
